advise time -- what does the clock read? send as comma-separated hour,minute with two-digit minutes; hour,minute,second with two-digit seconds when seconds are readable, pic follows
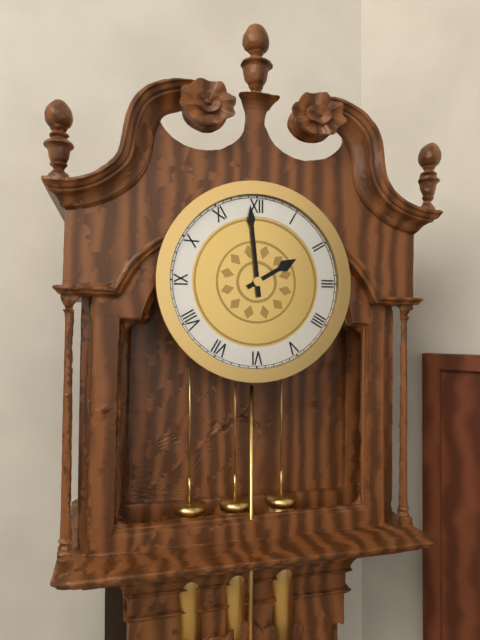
1,59
